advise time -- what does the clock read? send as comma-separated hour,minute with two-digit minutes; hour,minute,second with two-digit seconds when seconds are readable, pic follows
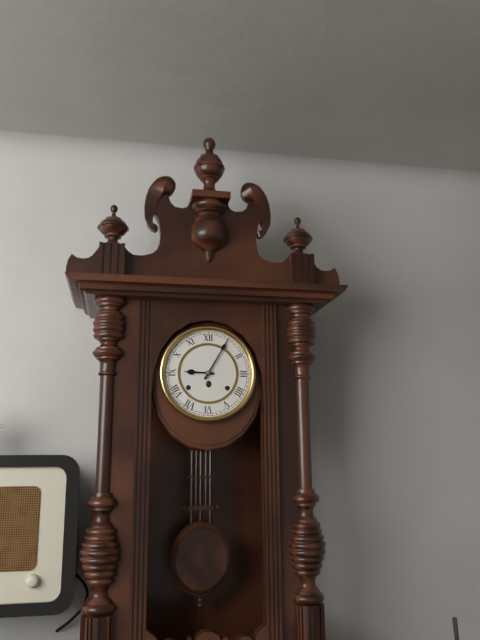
9,05
